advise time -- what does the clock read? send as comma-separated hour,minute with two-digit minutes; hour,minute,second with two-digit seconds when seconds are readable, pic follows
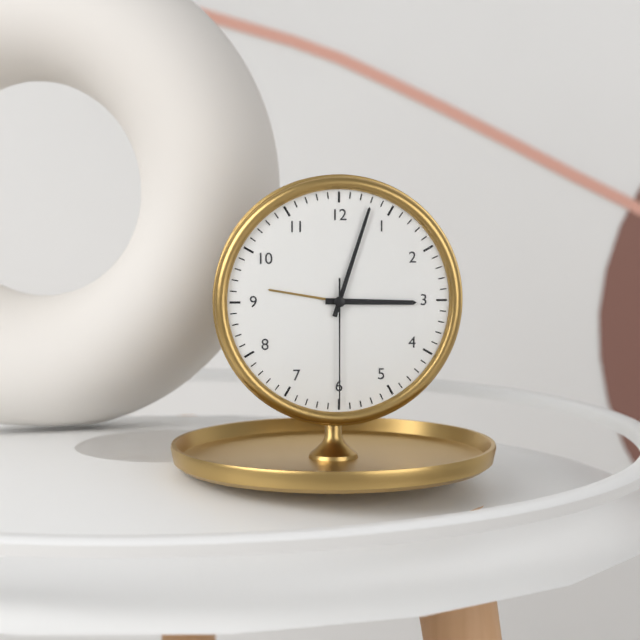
3,03,30
